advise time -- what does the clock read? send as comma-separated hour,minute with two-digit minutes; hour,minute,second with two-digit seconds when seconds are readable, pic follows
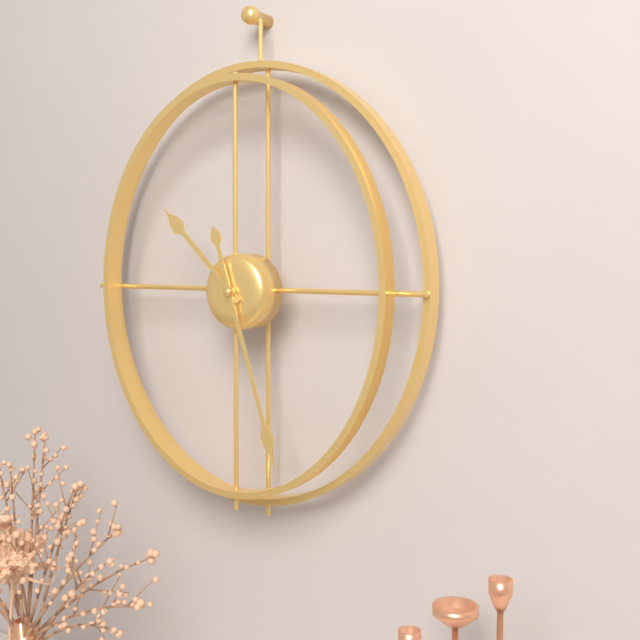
10,27
